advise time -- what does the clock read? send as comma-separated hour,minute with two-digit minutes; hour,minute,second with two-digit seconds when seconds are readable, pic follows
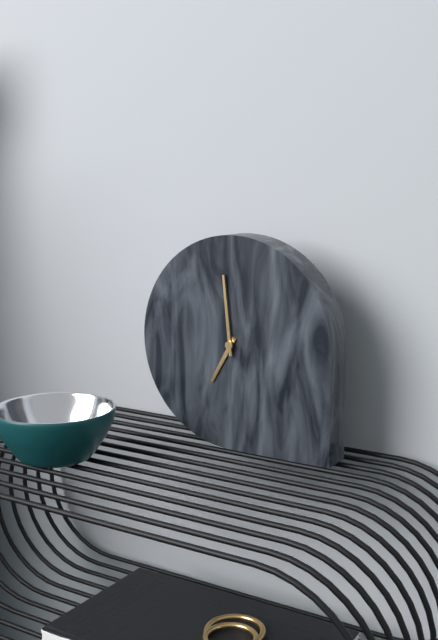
6,59
